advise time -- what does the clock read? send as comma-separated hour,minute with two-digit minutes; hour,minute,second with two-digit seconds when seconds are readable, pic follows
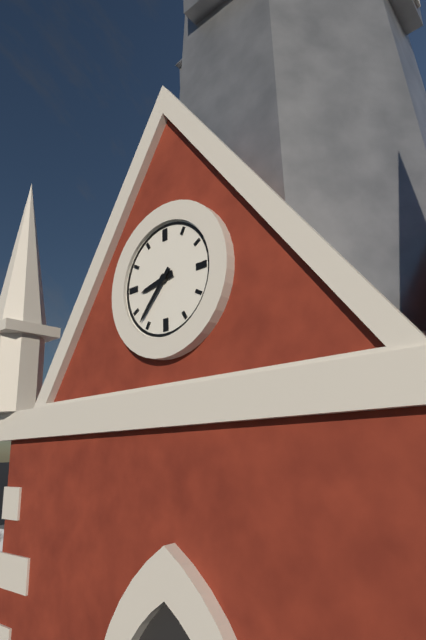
8,37
